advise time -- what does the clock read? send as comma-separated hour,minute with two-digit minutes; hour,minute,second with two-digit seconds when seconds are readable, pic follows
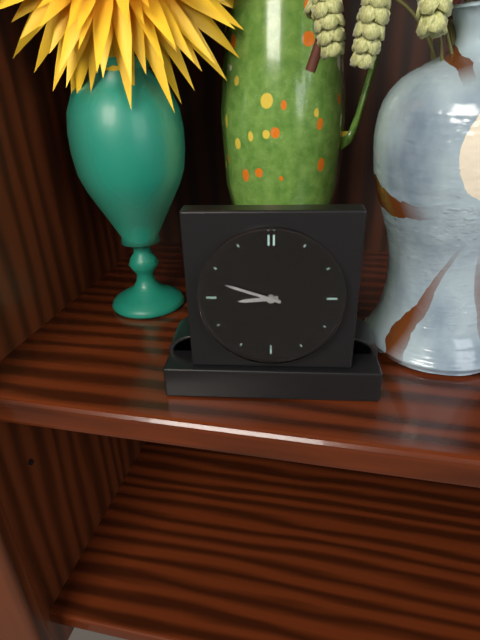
8,48
